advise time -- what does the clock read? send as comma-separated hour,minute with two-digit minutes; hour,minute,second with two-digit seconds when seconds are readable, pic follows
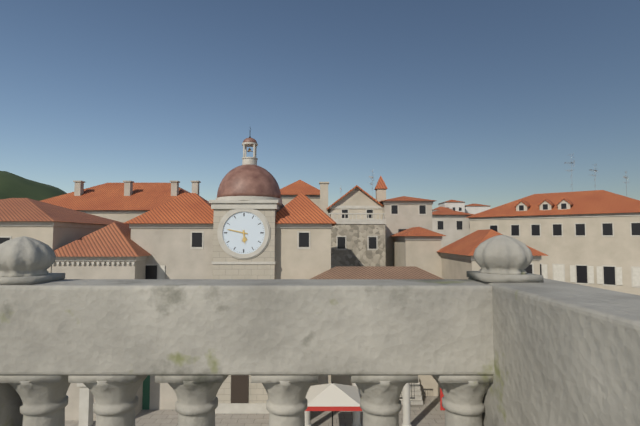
5,47
